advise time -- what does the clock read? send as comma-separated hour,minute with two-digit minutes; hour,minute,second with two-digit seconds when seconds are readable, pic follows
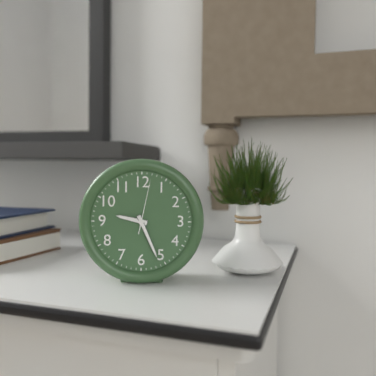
9,26,02
